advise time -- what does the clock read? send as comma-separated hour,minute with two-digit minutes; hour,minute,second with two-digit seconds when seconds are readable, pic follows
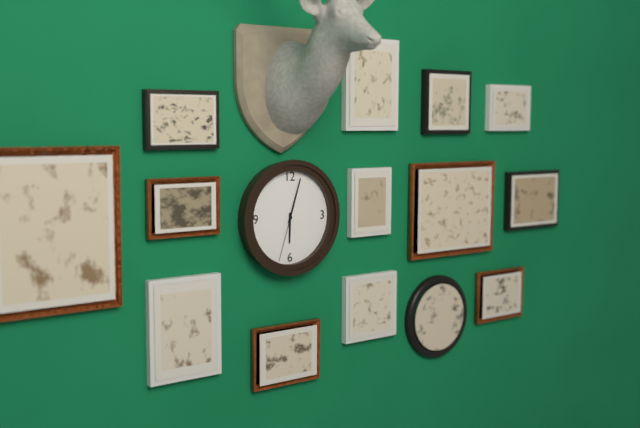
6,03,33
